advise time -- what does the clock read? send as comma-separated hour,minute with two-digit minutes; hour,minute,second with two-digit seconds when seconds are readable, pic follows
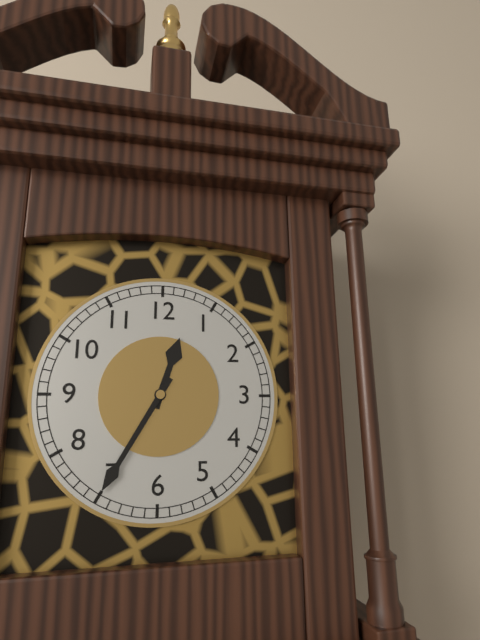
12,35
